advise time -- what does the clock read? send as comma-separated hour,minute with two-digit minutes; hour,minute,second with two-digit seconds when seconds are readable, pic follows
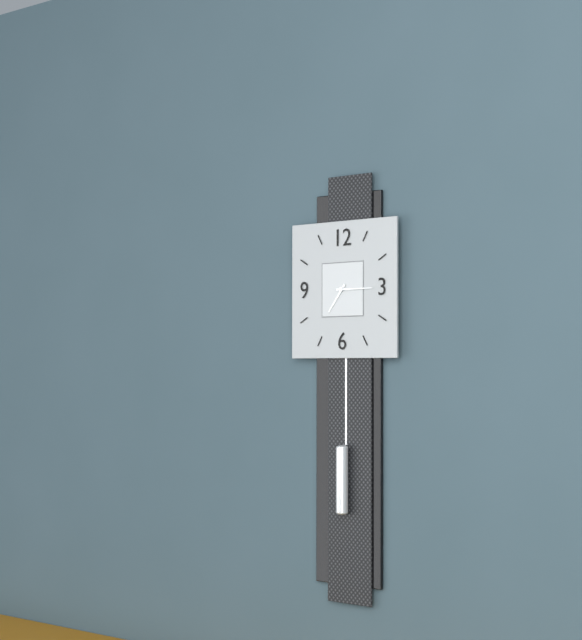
7,15
